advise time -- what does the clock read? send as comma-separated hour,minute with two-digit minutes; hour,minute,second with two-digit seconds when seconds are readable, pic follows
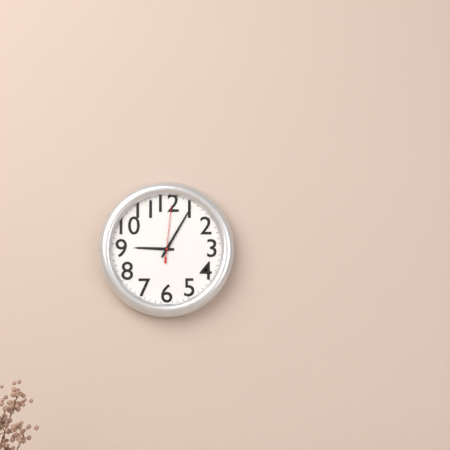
9,05,01
